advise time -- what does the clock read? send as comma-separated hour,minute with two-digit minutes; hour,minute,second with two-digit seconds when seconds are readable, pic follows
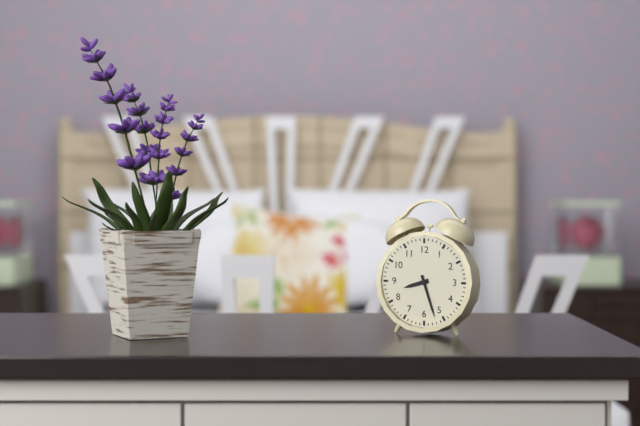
8,27
